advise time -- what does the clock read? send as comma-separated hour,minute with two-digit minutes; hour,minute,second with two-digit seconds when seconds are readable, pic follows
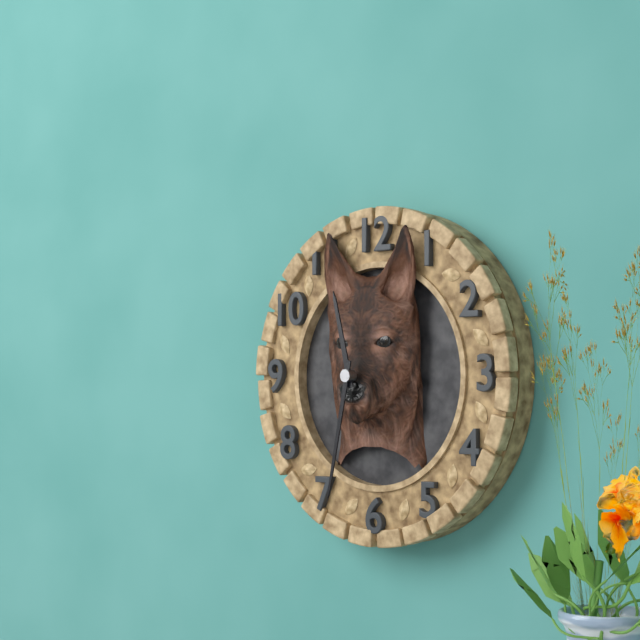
11,32
